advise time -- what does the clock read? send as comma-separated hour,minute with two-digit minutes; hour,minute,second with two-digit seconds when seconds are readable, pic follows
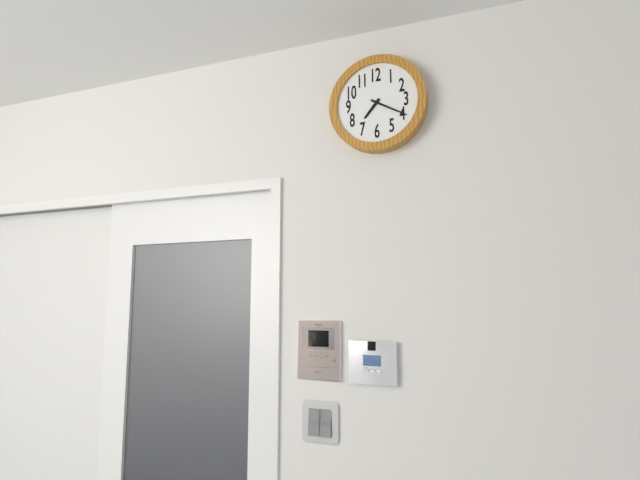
7,20
